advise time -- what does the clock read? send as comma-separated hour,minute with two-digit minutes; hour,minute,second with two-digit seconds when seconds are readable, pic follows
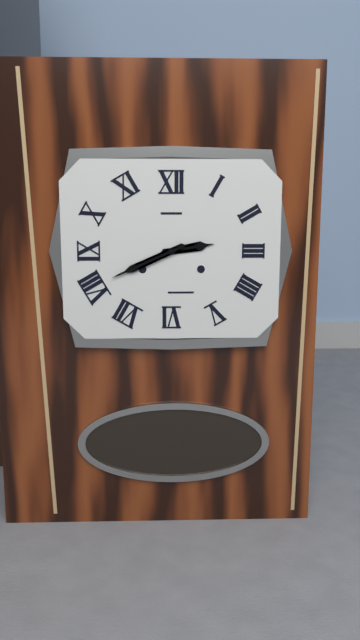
2,41
